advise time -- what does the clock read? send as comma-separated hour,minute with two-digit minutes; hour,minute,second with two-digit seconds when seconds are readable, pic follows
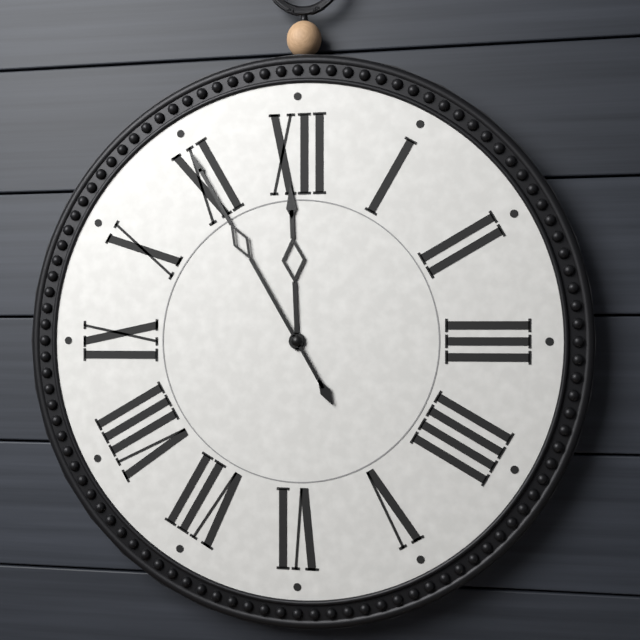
11,55
